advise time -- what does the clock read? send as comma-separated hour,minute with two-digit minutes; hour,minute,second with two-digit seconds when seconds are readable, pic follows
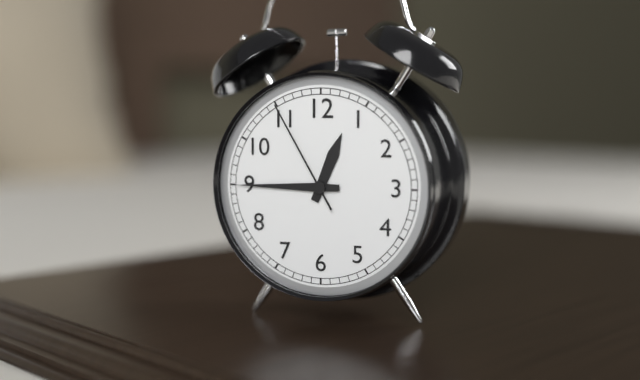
12,45,55
